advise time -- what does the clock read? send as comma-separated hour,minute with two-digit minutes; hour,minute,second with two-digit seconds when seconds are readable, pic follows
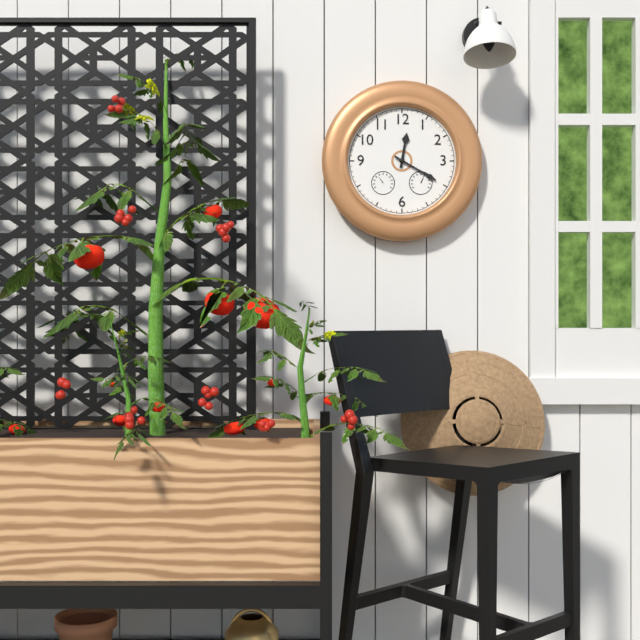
12,20
